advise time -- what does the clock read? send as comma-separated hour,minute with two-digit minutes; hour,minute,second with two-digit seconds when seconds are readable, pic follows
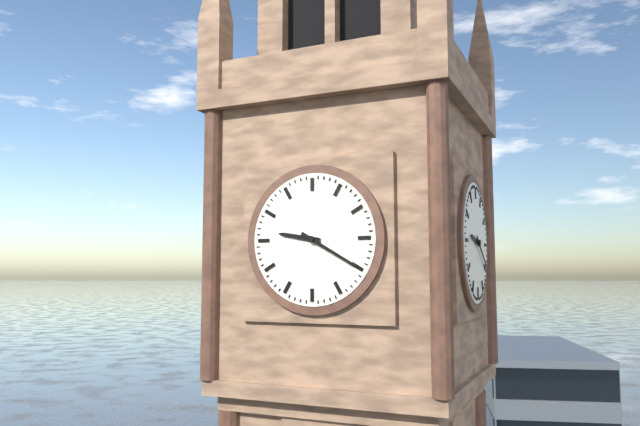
9,20
